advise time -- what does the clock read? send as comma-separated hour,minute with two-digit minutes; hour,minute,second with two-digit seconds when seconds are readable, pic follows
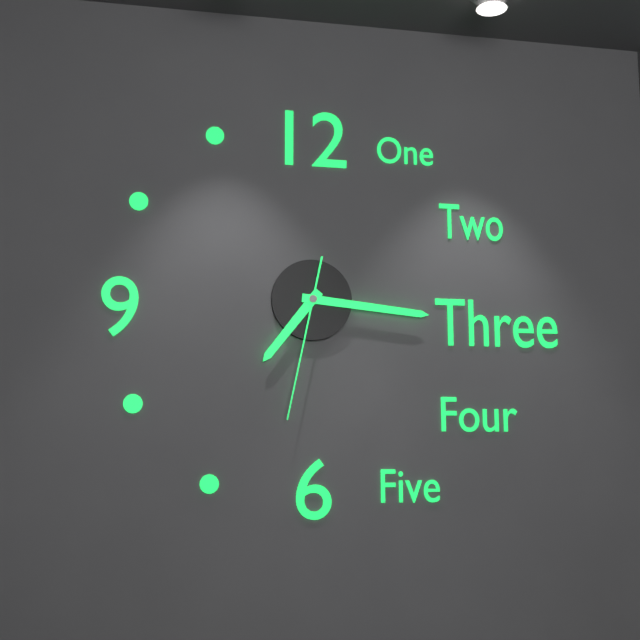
7,16,32
